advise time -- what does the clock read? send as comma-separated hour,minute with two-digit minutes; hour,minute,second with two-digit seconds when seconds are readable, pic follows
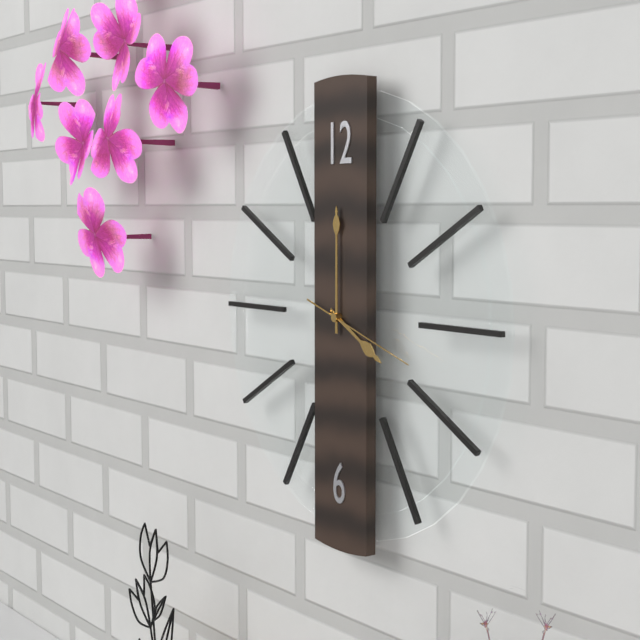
4,00,18
